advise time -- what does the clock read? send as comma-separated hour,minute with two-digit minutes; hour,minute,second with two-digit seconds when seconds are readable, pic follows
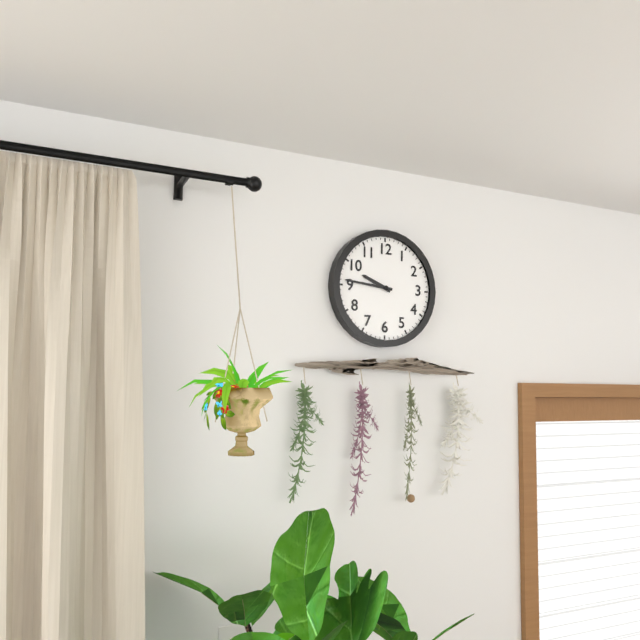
9,46
